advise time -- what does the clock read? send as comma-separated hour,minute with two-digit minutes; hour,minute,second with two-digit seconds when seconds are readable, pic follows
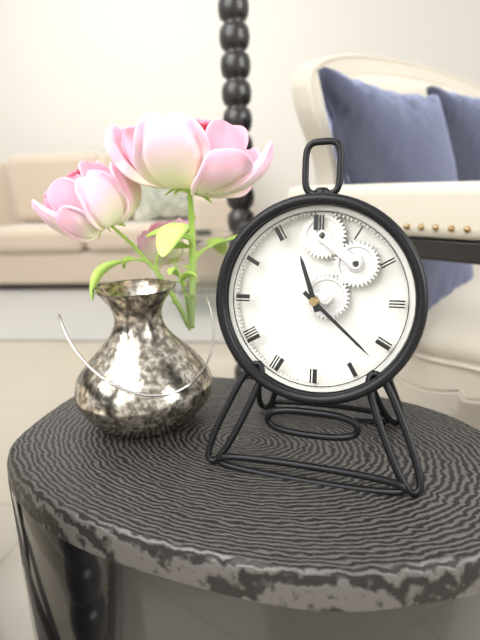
11,22
